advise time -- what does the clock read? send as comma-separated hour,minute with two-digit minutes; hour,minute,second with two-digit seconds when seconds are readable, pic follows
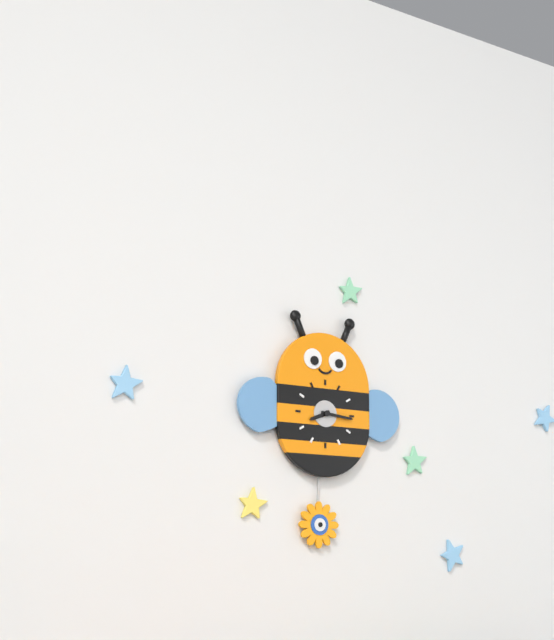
8,16
